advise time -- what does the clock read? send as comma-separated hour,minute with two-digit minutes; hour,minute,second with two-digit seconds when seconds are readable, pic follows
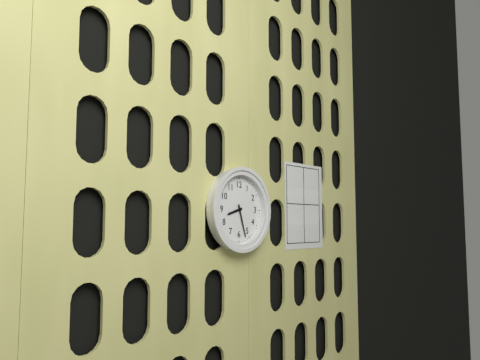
8,27
